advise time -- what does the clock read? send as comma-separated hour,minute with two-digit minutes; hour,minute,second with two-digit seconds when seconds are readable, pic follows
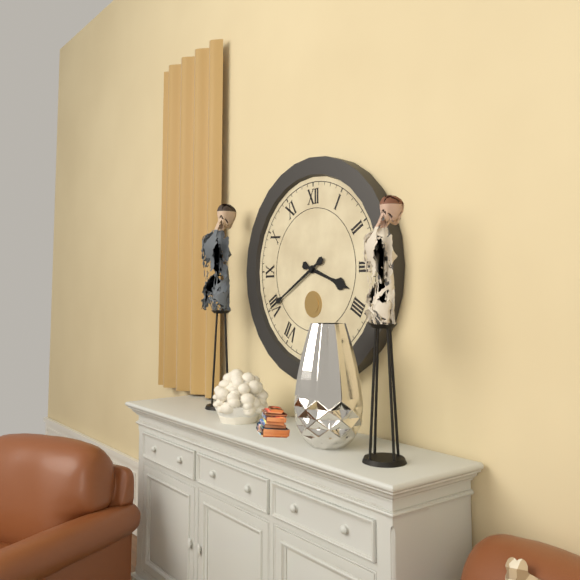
3,40
